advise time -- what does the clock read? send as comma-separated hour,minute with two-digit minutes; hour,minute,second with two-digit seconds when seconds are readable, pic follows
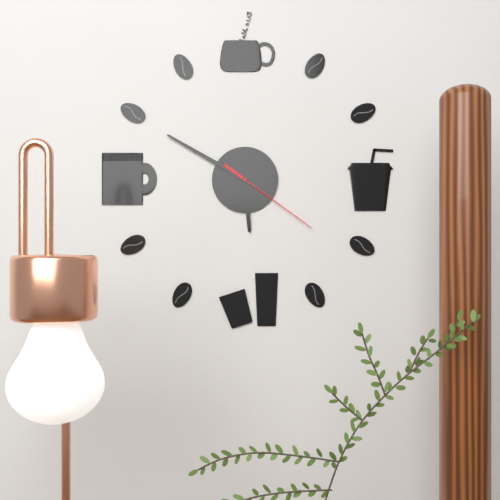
5,50,21
